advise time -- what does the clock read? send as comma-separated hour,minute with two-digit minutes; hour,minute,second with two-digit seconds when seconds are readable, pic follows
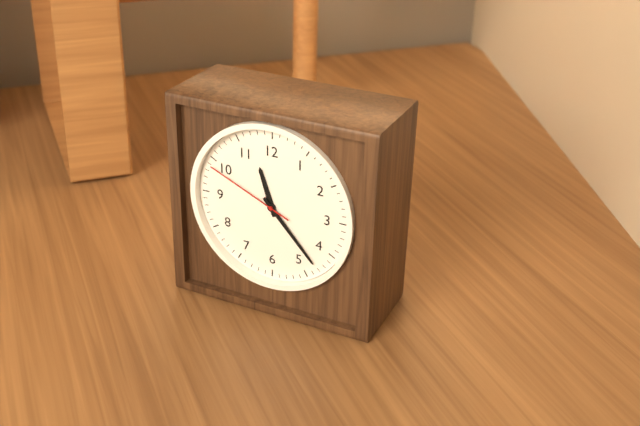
11,23,49
